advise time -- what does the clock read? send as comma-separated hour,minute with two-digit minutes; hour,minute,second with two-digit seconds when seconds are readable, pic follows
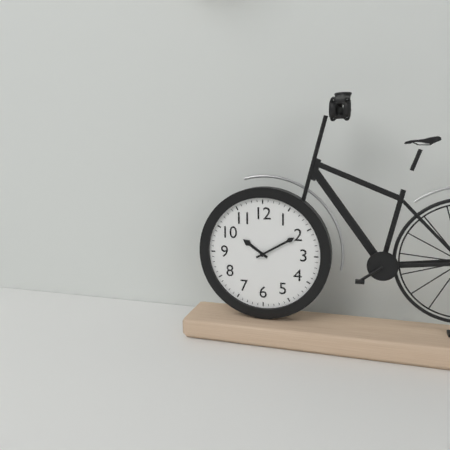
10,10
